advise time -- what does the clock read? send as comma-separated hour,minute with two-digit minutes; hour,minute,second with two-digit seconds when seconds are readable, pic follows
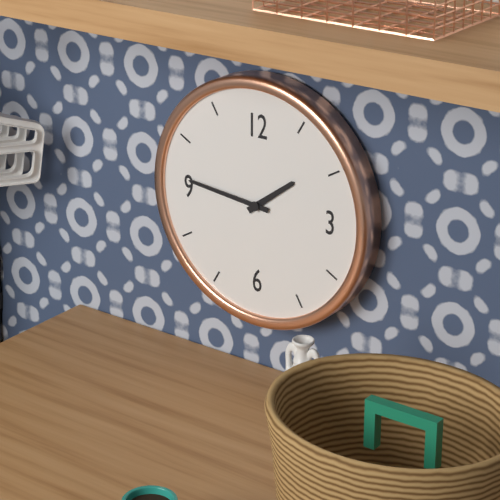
1,46
